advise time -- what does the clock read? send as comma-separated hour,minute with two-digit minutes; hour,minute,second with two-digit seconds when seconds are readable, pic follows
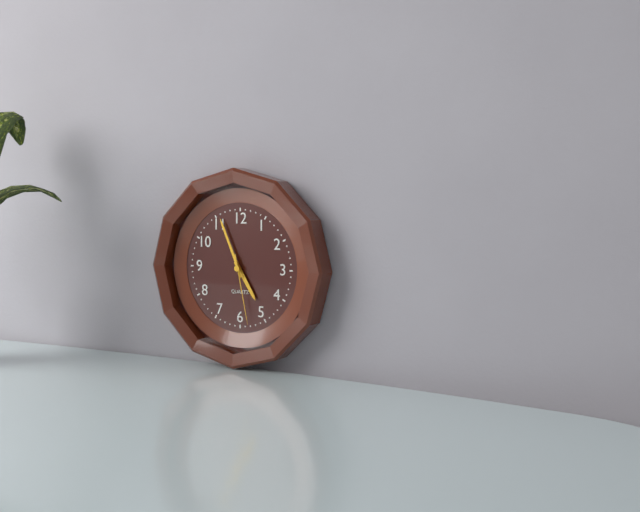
4,56,28
